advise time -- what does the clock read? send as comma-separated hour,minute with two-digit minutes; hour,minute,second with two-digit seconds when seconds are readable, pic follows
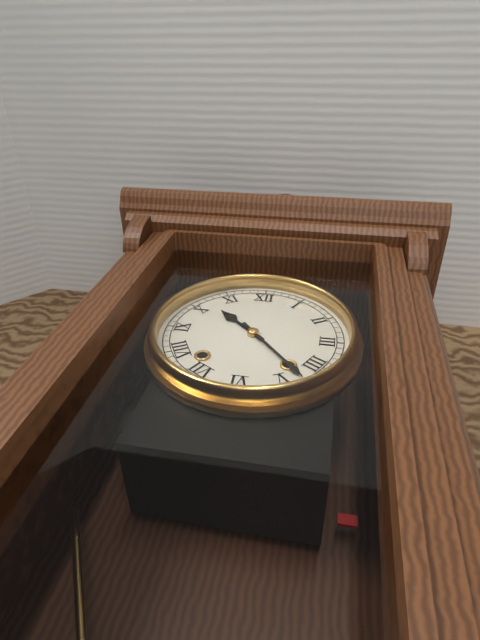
10,23
